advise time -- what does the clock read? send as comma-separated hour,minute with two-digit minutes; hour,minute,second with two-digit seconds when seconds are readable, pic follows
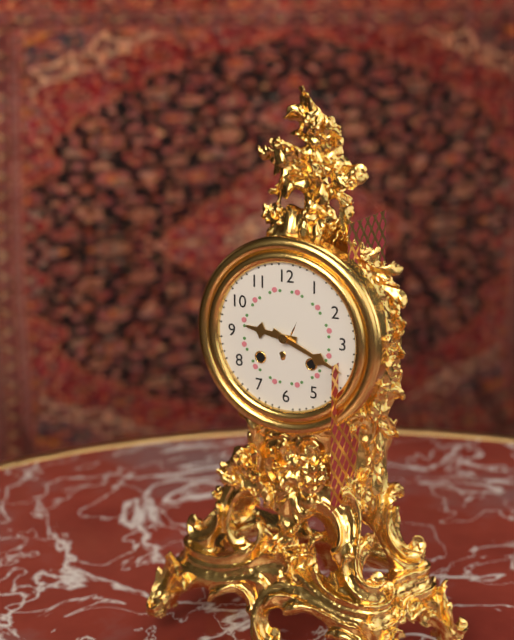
9,19
